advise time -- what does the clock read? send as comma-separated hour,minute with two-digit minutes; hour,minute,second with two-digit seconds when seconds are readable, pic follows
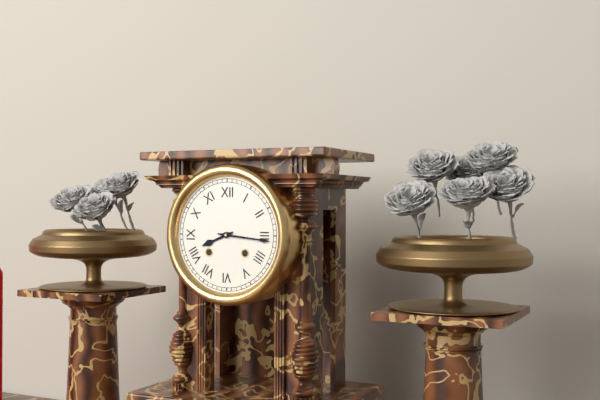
8,16
